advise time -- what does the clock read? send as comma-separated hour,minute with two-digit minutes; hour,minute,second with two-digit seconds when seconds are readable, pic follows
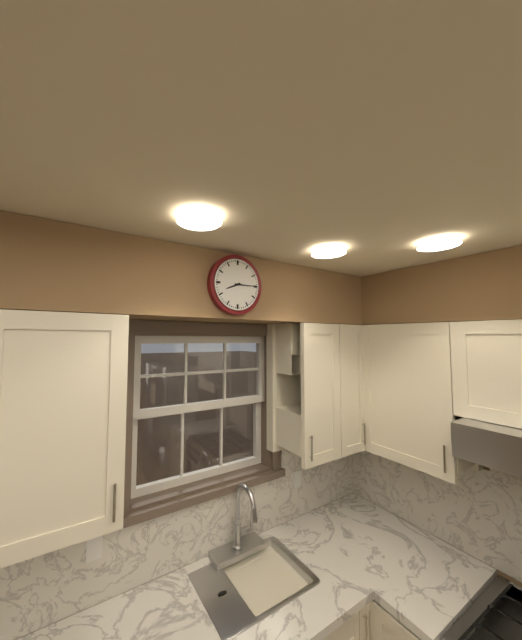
8,15
